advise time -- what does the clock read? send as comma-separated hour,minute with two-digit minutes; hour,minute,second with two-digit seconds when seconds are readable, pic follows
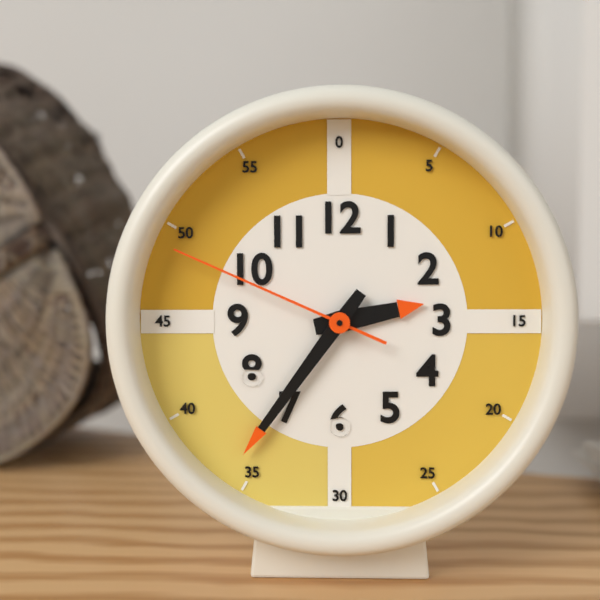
2,36,49
